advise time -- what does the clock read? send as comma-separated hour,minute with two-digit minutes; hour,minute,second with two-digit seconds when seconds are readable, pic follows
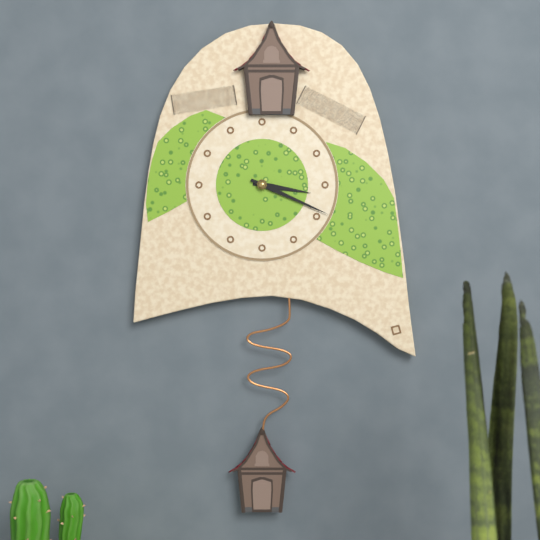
3,19
